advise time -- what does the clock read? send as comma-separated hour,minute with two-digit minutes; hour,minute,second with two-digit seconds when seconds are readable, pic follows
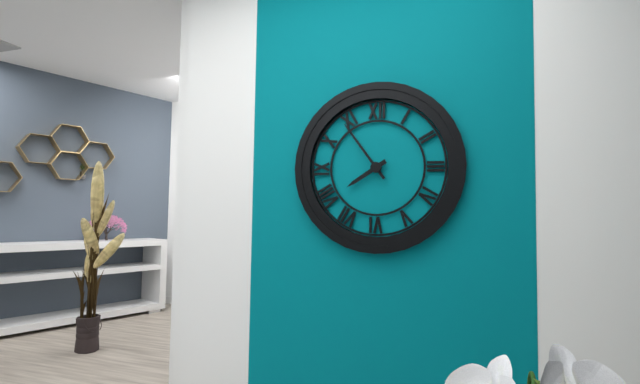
7,54
